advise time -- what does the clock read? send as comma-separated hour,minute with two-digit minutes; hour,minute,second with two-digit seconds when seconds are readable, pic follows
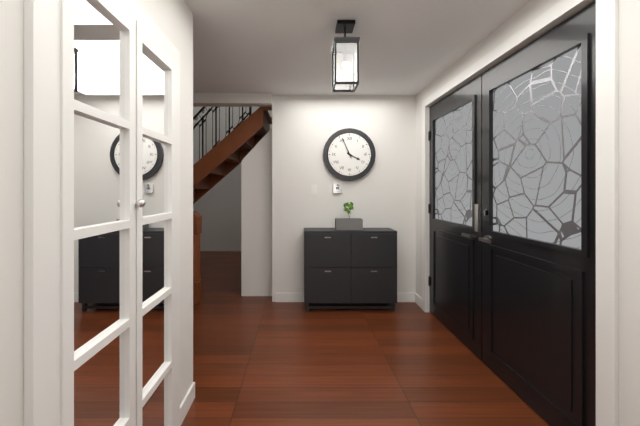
3,56
